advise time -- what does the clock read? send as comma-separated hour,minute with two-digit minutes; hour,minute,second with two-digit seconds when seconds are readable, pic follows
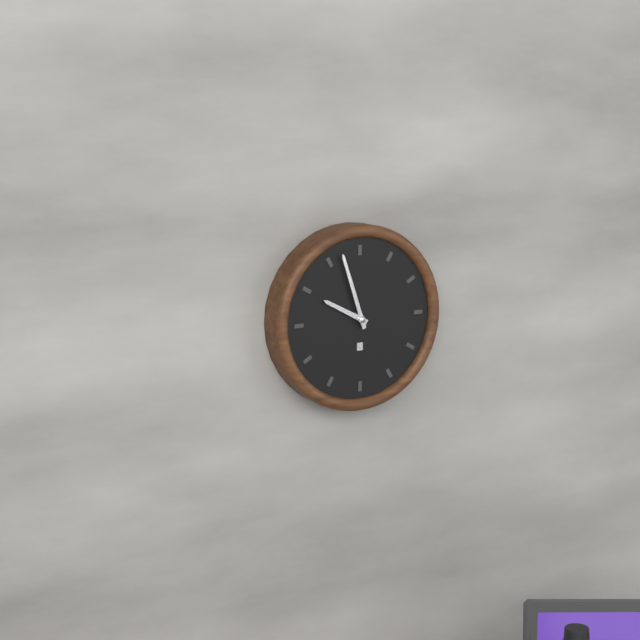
9,57
